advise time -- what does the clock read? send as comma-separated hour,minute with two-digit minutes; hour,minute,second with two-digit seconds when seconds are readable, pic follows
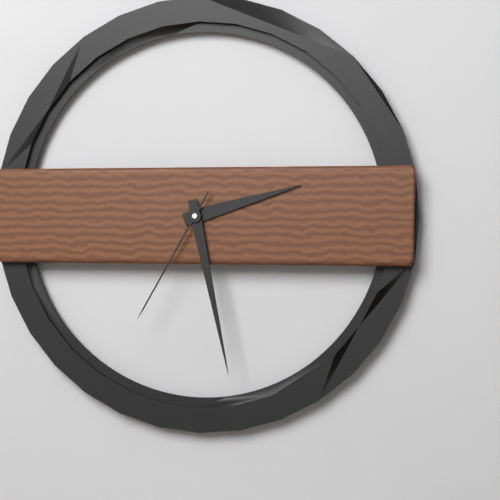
2,28,35
